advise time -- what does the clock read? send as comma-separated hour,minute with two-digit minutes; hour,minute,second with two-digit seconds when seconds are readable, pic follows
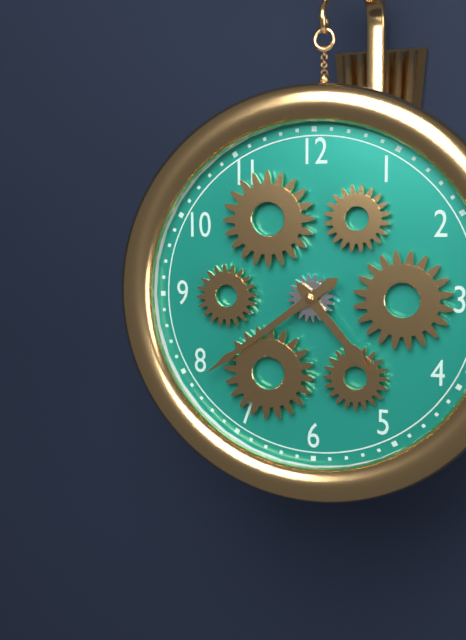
4,39
